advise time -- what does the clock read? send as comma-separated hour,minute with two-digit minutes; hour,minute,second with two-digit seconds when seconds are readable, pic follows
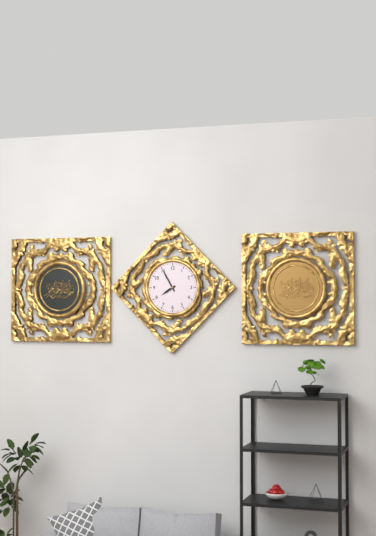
7,55
